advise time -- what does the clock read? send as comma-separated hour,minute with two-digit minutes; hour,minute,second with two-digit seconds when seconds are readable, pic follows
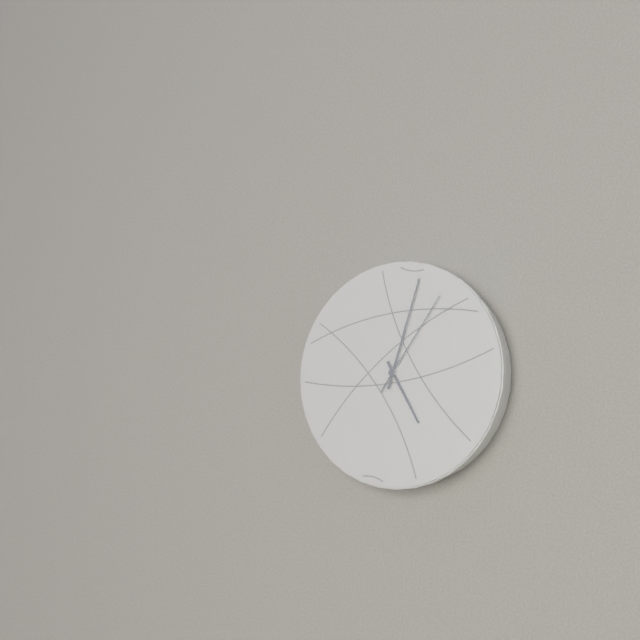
5,03,06
